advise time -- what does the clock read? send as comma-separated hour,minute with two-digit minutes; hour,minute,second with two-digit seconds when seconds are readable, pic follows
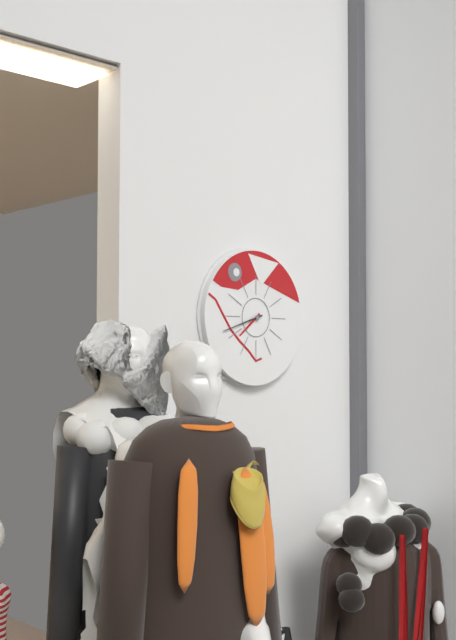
7,42
